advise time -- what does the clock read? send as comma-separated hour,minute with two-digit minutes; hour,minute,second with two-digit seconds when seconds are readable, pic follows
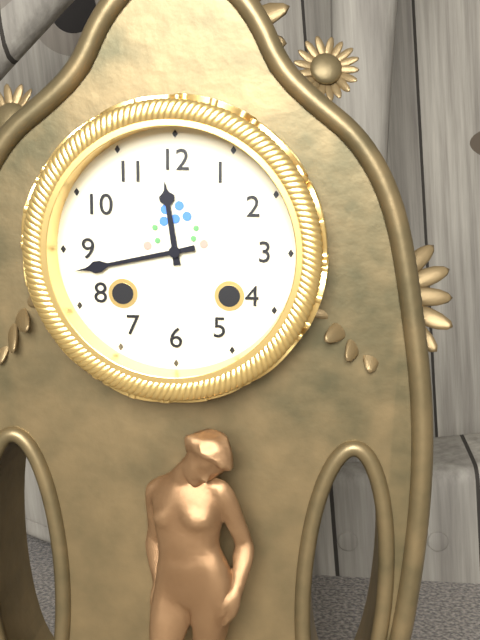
11,43
